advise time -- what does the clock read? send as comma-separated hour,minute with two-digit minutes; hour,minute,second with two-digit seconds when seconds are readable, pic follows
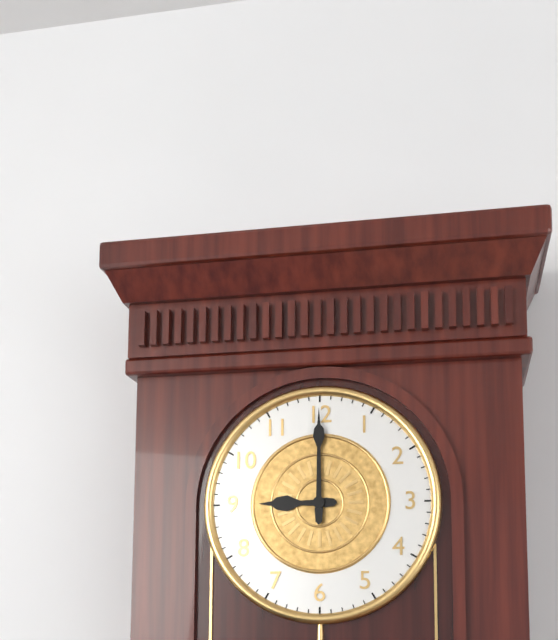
9,00
